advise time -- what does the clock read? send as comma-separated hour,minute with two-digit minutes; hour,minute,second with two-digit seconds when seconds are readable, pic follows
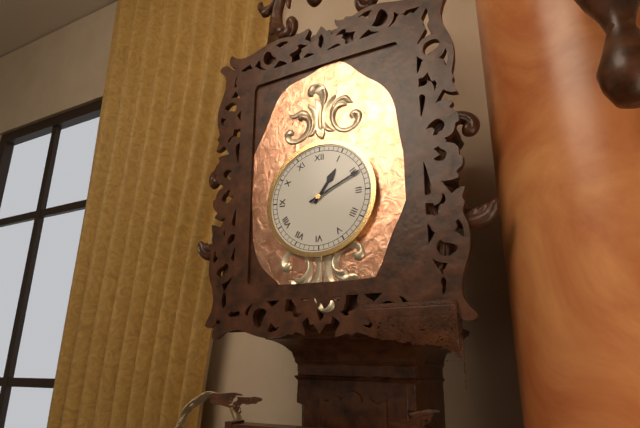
1,11
